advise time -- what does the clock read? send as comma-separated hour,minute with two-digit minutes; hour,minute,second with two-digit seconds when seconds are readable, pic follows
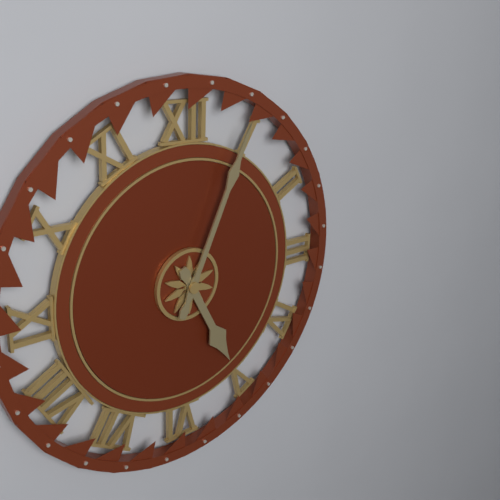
5,04
